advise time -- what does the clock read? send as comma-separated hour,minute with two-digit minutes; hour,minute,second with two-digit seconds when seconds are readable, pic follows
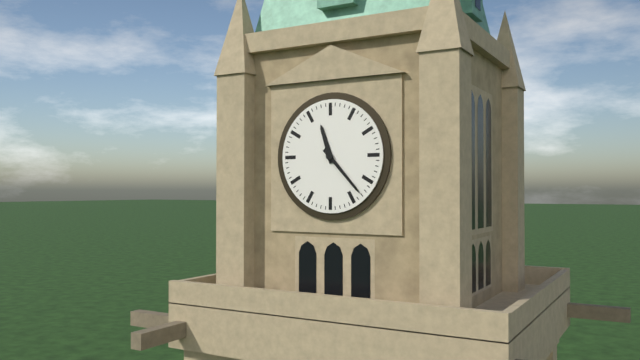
11,23
